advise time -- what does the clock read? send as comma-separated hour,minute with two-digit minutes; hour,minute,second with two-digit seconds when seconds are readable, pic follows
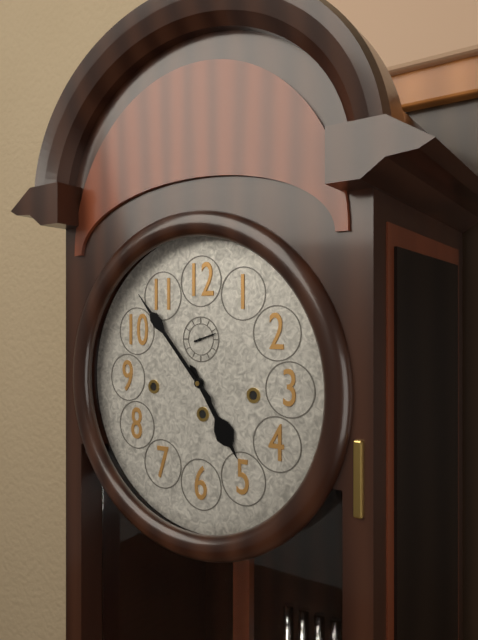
4,53
